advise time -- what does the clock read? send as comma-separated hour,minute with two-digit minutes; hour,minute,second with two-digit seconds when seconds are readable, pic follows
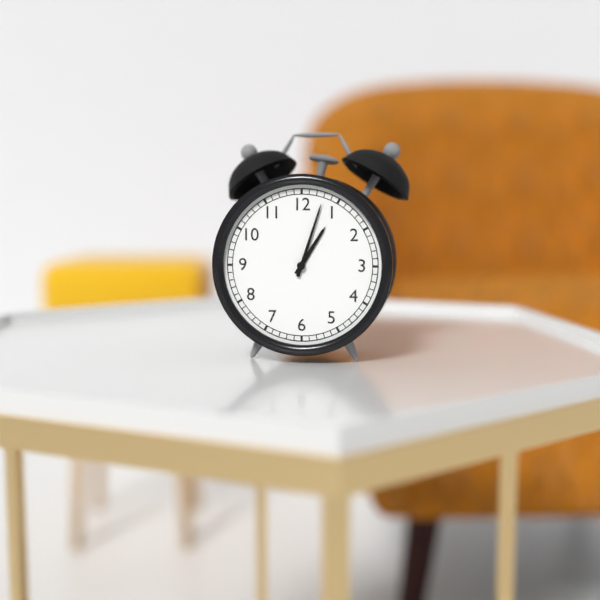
1,03
